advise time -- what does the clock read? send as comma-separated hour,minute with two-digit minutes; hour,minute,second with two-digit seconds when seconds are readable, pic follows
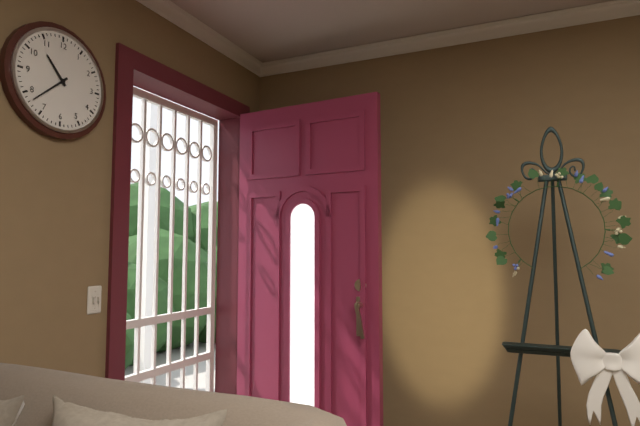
10,38
